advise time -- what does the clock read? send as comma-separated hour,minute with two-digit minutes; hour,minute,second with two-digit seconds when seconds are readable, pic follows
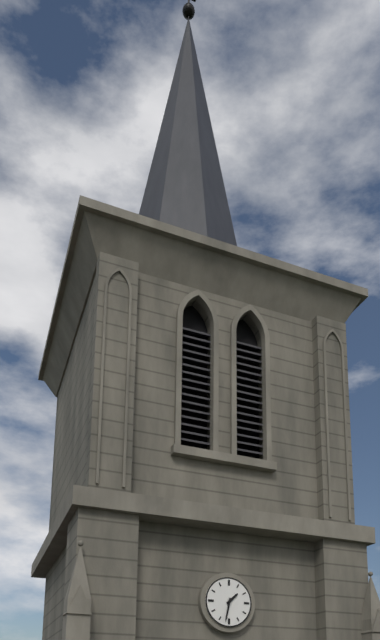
1,32
